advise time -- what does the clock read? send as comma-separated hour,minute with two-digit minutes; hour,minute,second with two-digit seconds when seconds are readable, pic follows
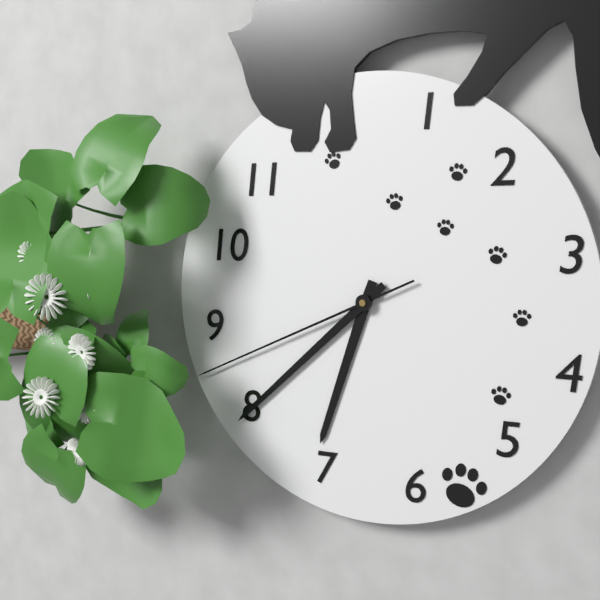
6,38,41
